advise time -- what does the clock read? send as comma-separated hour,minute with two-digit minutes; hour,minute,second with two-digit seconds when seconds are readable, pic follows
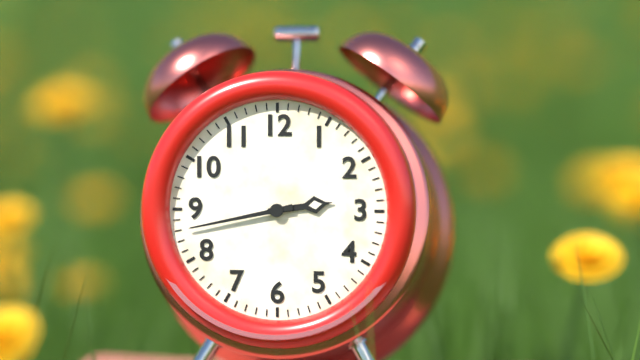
2,43
